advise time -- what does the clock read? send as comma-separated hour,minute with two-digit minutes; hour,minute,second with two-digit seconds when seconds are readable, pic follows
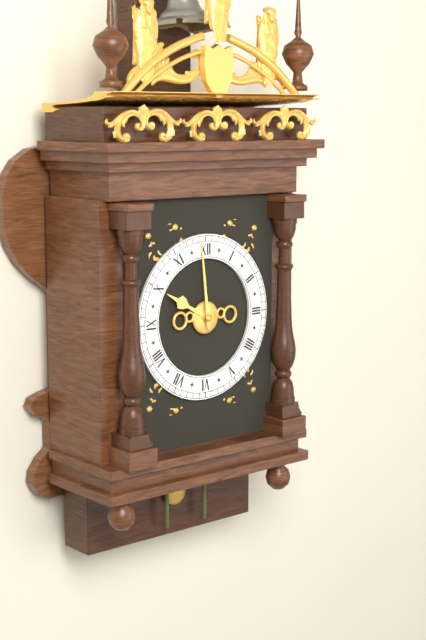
9,59
